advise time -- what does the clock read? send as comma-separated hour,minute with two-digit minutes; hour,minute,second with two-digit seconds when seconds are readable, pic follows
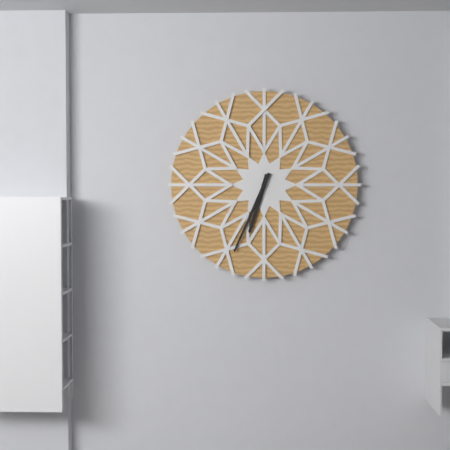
6,34
